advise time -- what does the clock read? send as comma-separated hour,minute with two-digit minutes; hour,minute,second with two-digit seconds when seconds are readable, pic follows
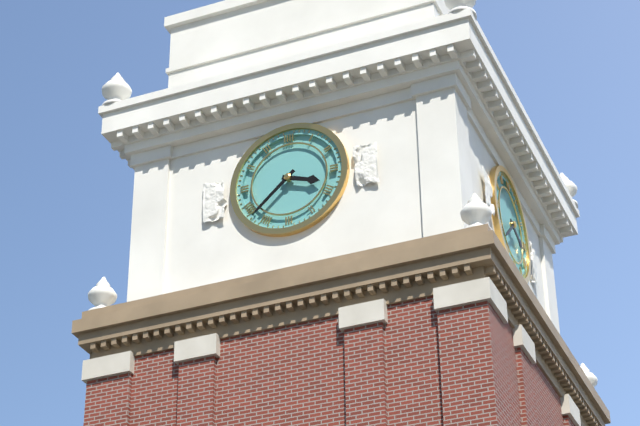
3,38
